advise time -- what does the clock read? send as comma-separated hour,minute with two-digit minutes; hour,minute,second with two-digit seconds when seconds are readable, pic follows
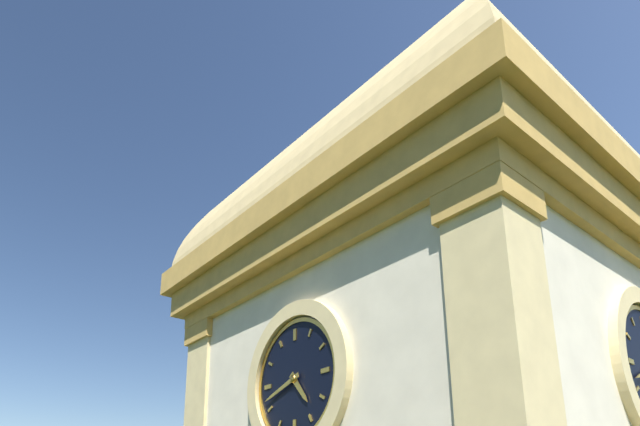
4,42
